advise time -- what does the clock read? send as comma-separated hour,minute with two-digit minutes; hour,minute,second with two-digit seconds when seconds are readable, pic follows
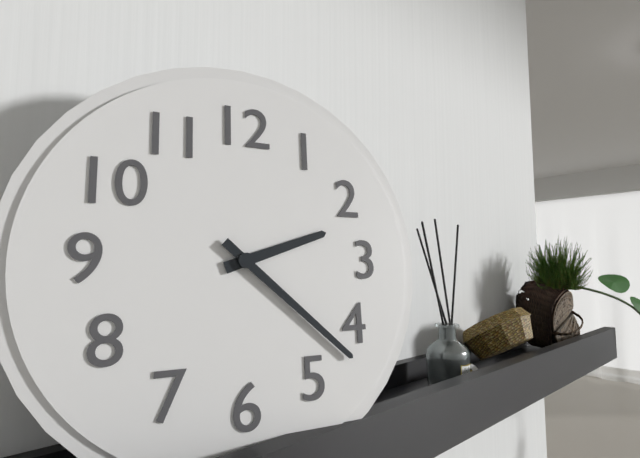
2,22
